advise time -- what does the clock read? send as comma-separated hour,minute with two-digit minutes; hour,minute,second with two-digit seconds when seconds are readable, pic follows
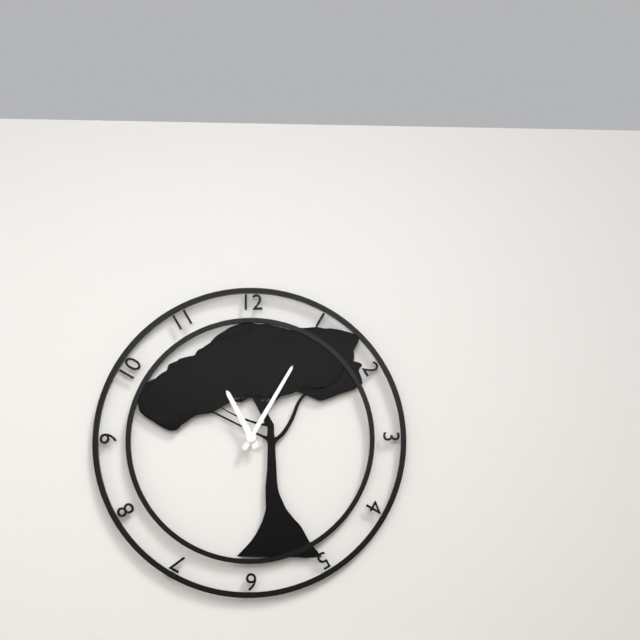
11,05
